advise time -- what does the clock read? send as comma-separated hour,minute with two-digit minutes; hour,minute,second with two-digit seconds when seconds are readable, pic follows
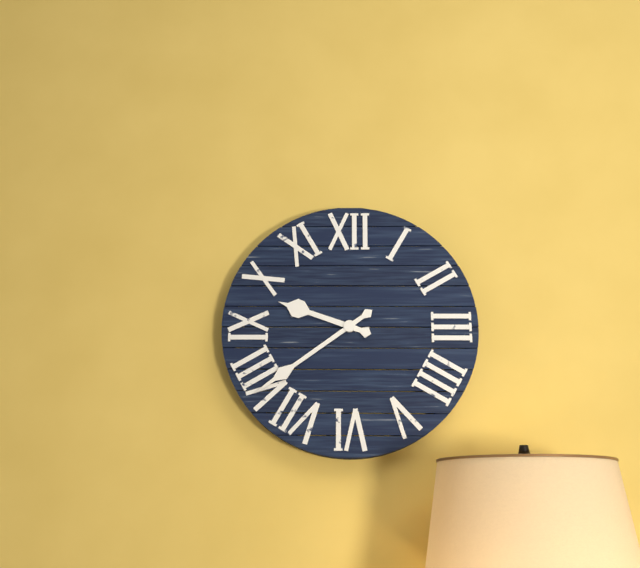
9,39
